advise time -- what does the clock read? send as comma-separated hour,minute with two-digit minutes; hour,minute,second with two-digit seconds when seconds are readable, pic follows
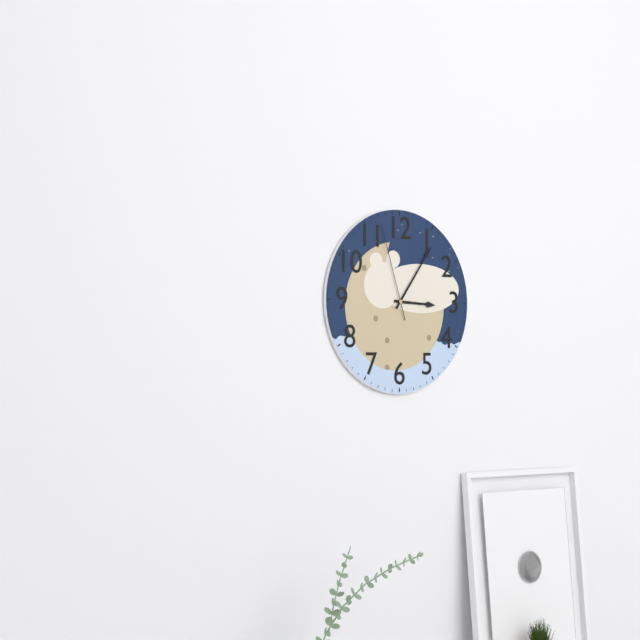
3,06,57
